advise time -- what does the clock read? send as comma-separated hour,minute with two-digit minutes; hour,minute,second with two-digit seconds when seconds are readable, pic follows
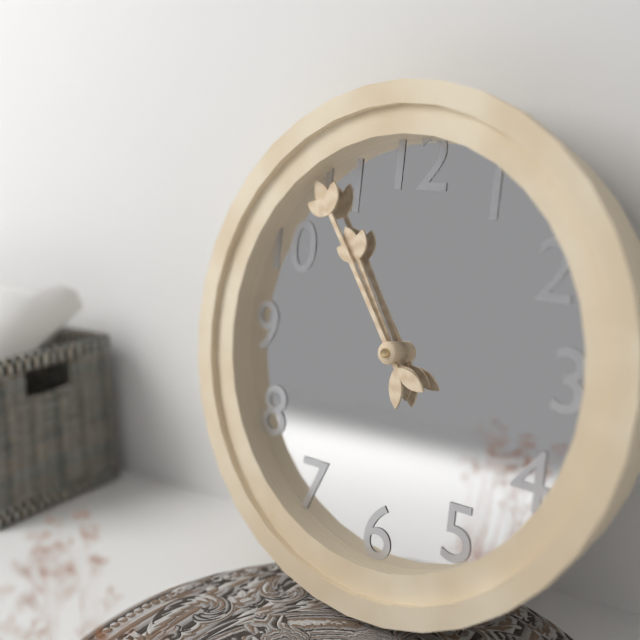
10,54
